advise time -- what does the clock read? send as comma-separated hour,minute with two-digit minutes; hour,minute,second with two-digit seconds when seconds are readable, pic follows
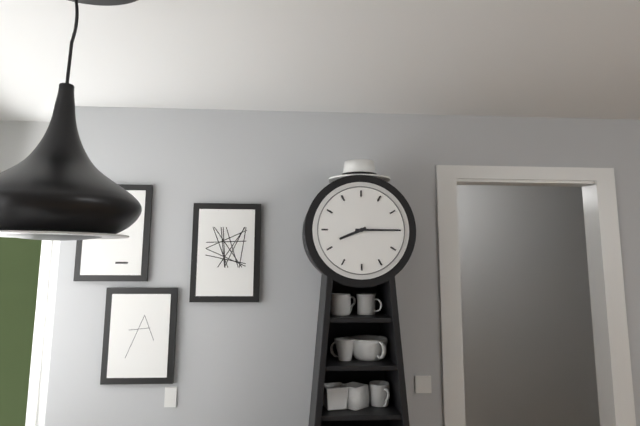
8,15
